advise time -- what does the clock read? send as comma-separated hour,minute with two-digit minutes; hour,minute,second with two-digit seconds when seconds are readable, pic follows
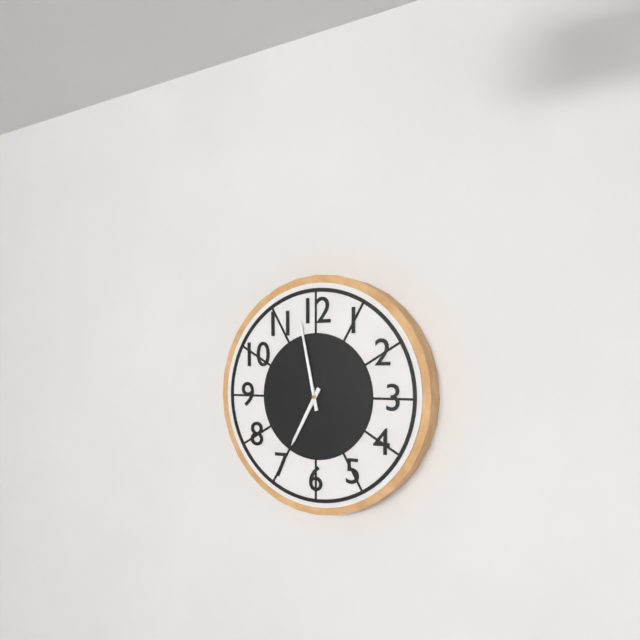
6,58
